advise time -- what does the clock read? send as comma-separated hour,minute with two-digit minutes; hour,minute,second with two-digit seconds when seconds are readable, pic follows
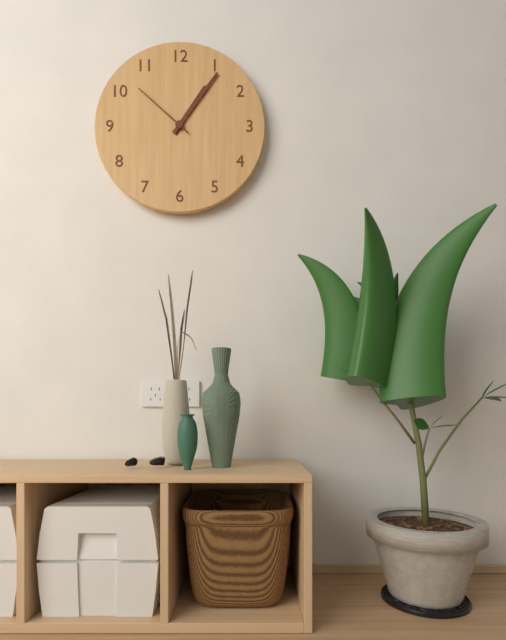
1,06,52
